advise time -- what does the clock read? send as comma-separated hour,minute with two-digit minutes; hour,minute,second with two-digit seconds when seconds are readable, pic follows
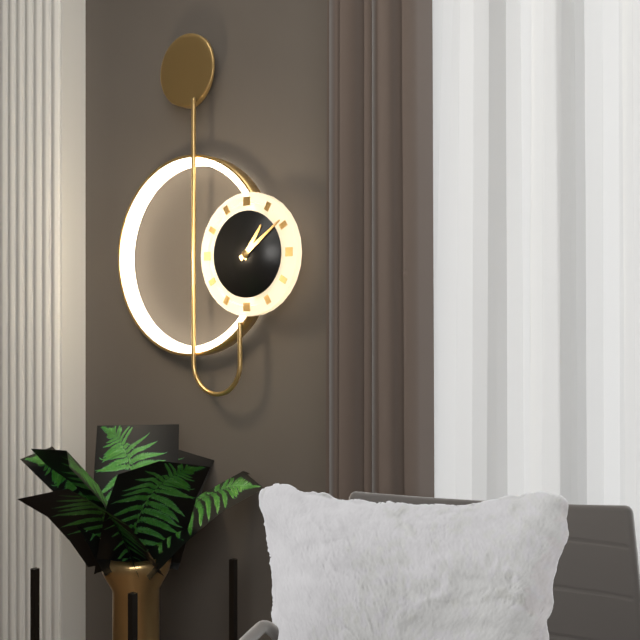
1,09
